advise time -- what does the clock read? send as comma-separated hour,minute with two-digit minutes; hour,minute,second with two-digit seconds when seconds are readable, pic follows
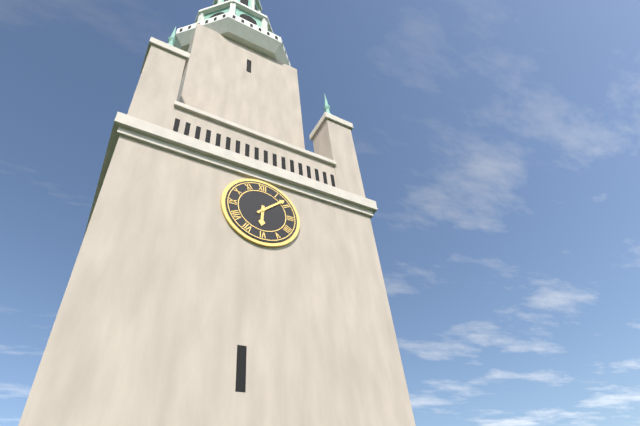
6,08
